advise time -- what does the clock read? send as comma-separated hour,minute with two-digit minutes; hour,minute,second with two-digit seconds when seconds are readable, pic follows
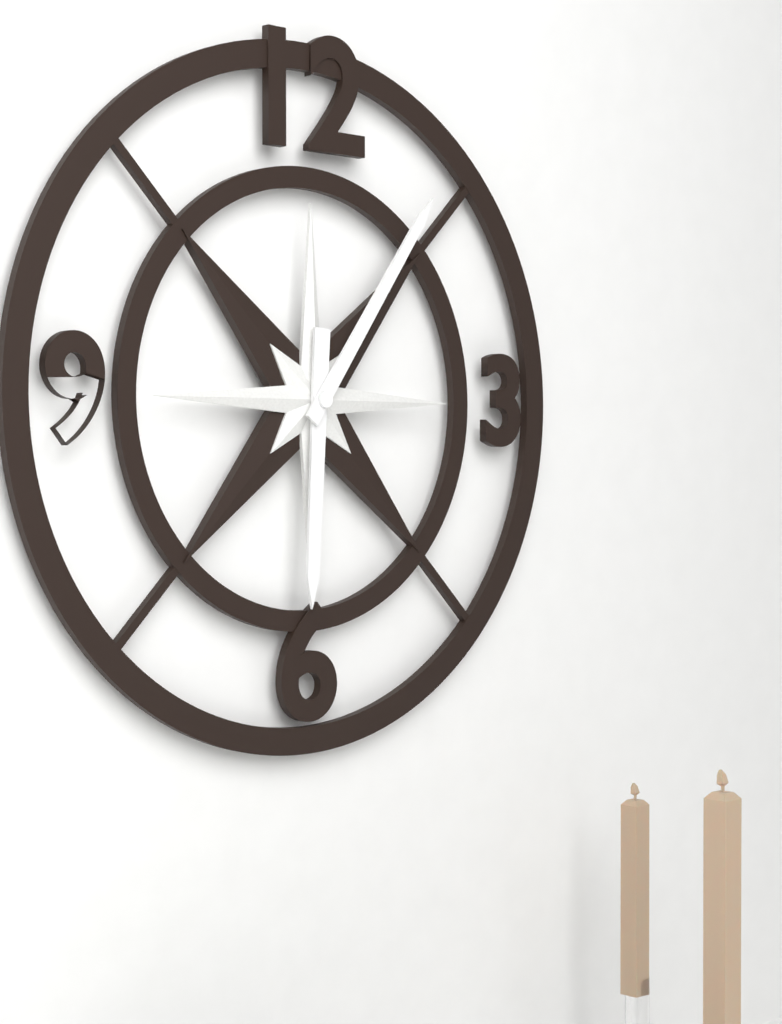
6,06
